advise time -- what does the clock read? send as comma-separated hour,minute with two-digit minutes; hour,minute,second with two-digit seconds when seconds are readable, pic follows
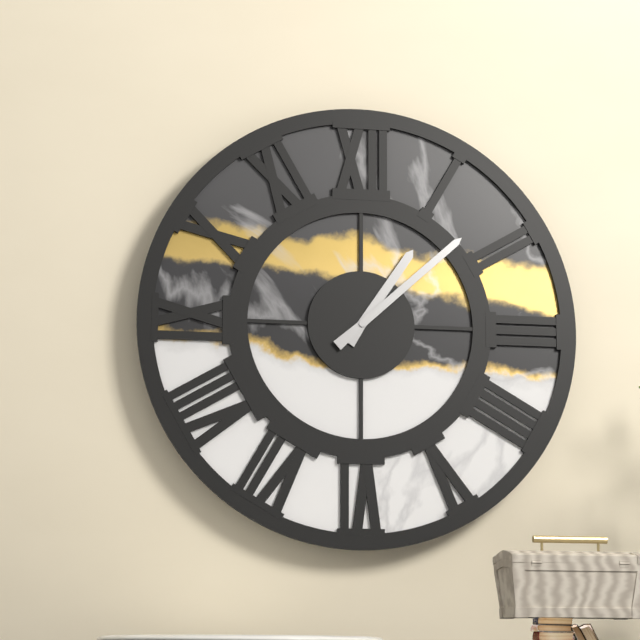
1,08
